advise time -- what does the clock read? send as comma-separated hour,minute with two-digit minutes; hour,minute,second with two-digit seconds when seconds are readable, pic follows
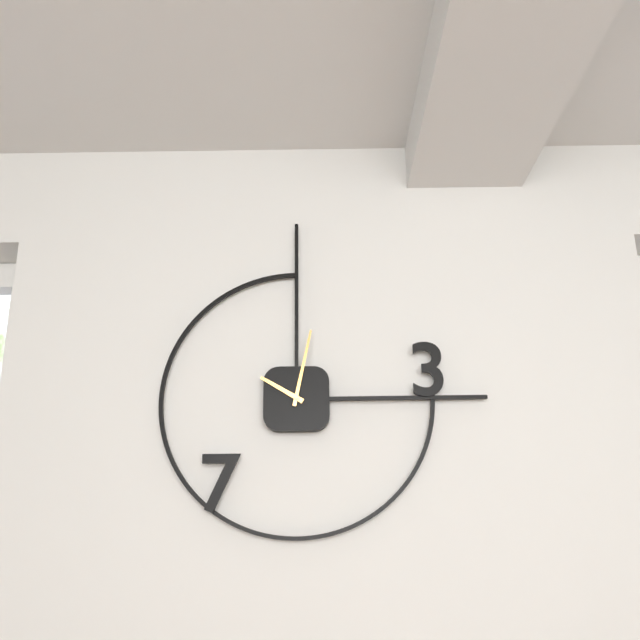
10,02
